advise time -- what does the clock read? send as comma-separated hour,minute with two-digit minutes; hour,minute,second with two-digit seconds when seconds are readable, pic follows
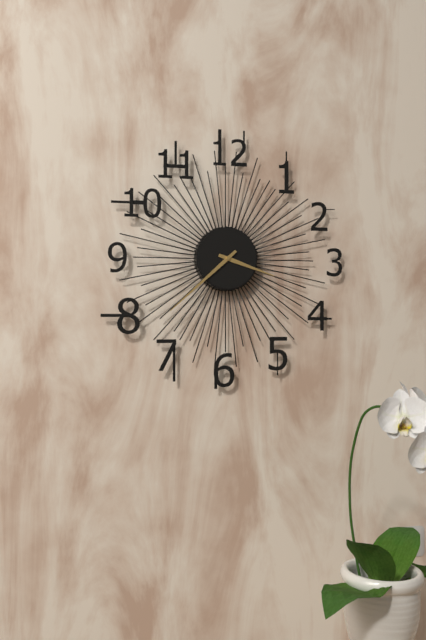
3,38
